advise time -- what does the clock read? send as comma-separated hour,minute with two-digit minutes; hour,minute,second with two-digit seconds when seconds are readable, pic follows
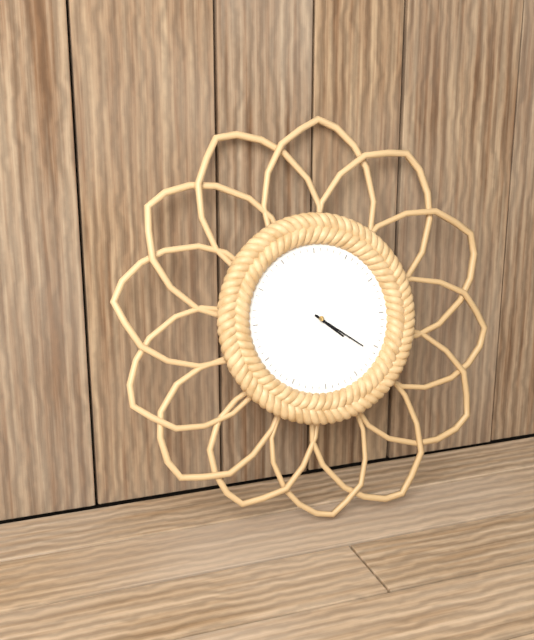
4,21
